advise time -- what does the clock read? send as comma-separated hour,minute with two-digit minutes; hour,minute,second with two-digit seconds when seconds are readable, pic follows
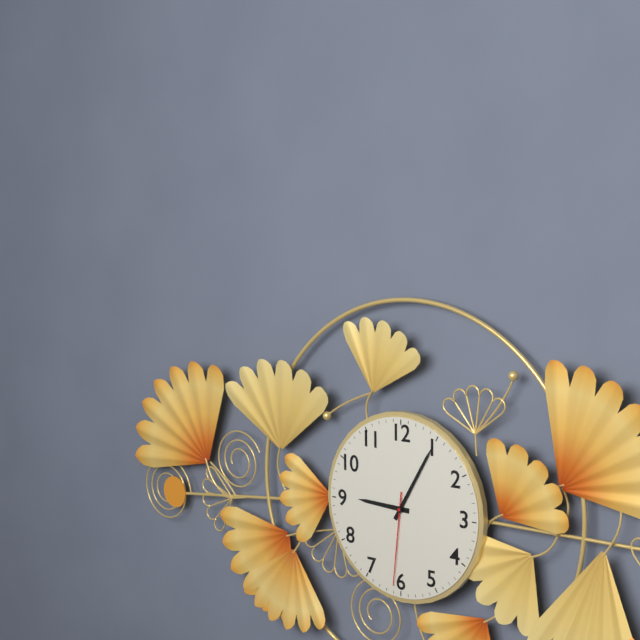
9,05,31
